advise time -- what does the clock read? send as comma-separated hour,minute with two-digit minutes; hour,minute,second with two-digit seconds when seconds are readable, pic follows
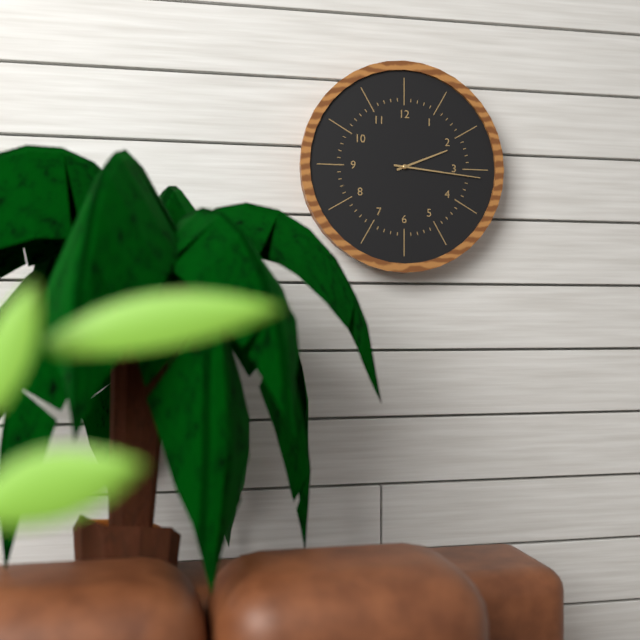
2,16
